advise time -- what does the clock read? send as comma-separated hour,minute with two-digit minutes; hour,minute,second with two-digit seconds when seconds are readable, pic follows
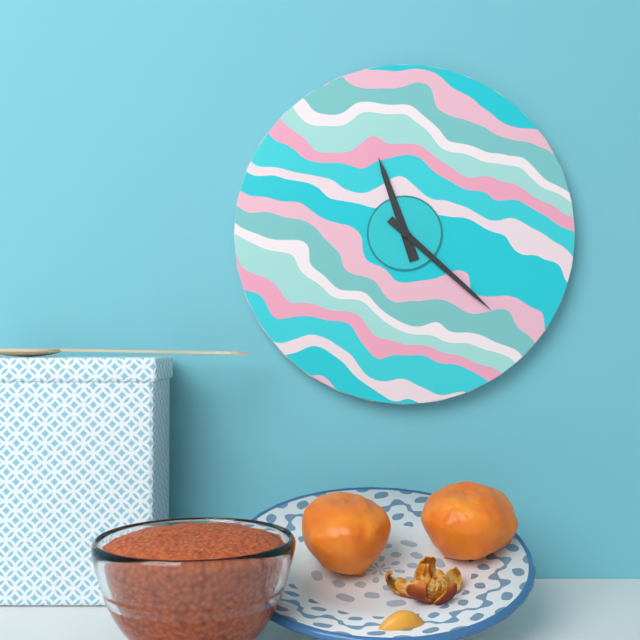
11,22
